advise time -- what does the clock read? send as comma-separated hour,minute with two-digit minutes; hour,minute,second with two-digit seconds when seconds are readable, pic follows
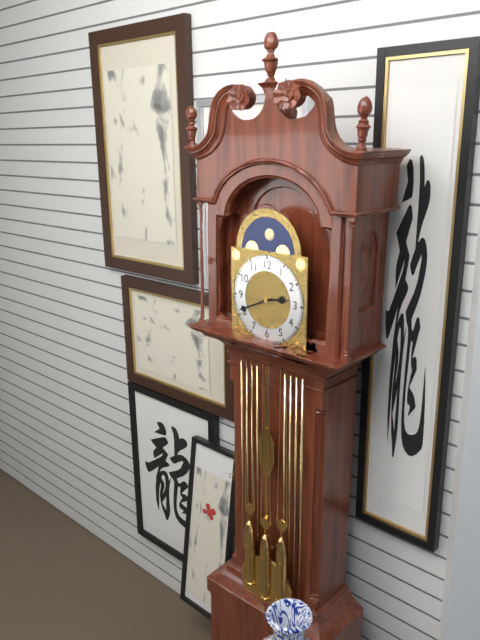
2,41
